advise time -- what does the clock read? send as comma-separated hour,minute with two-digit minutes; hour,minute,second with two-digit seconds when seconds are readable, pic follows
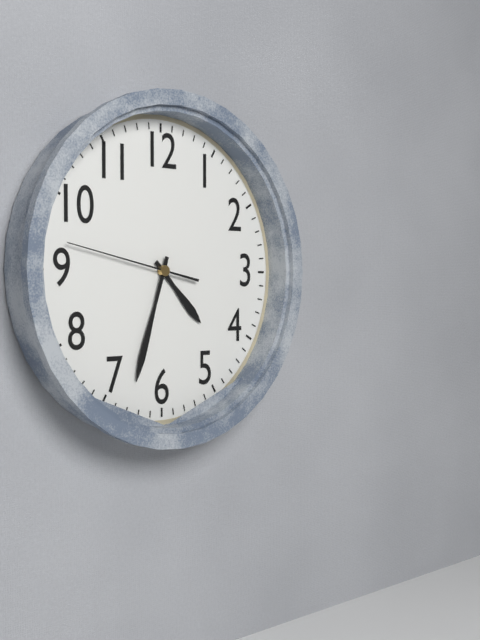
4,33,47
